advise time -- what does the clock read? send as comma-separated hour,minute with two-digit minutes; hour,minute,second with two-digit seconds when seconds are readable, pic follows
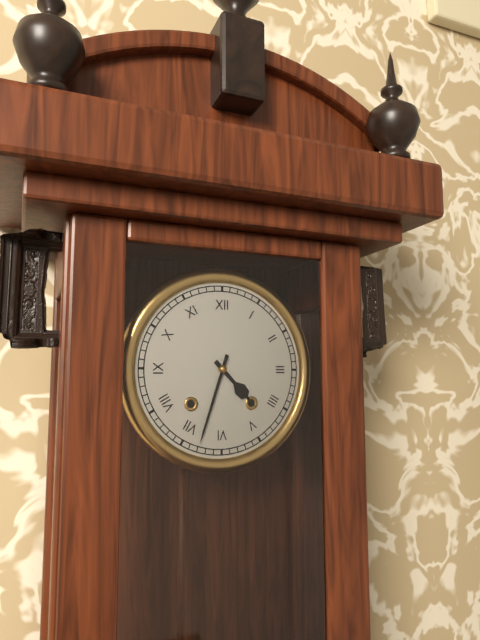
4,33
